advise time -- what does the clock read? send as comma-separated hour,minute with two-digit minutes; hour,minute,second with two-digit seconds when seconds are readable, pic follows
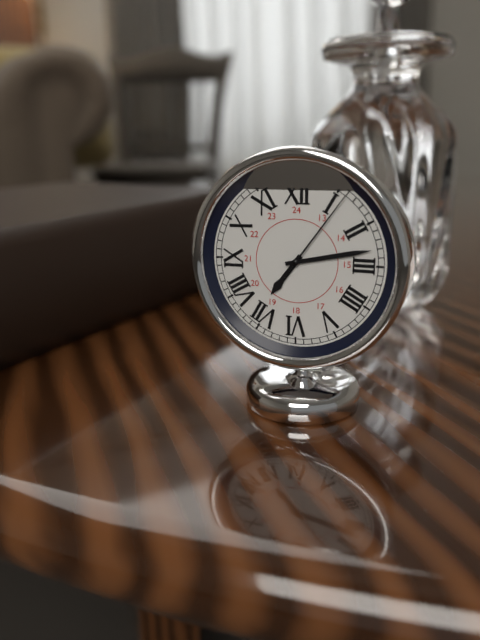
7,13,06
